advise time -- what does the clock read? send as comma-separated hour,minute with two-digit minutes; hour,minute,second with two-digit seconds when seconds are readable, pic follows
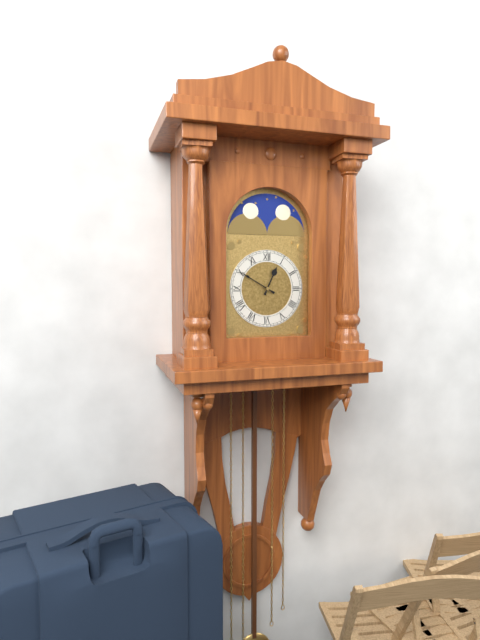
12,50
